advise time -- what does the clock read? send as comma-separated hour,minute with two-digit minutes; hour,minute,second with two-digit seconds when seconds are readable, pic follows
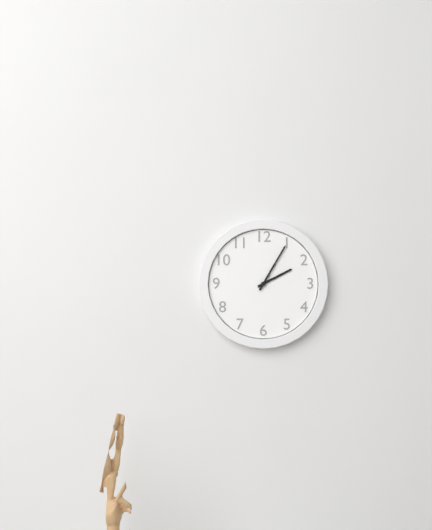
2,05
